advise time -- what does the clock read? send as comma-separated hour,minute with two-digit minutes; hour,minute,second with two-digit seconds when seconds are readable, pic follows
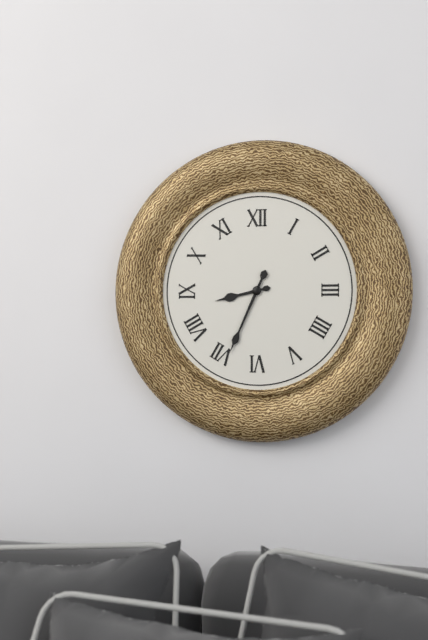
8,34
